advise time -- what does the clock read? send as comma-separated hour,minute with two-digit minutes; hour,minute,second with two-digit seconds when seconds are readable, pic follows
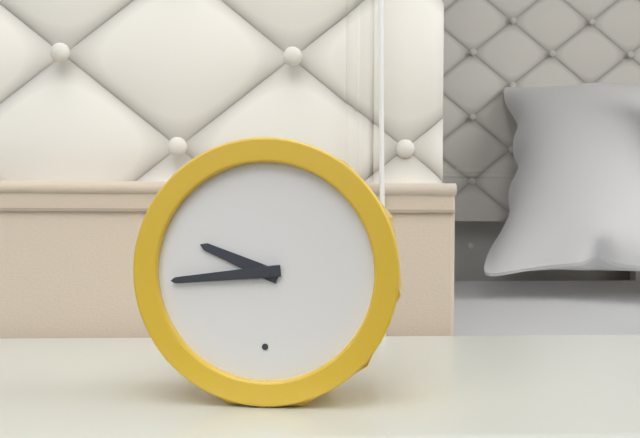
9,44
